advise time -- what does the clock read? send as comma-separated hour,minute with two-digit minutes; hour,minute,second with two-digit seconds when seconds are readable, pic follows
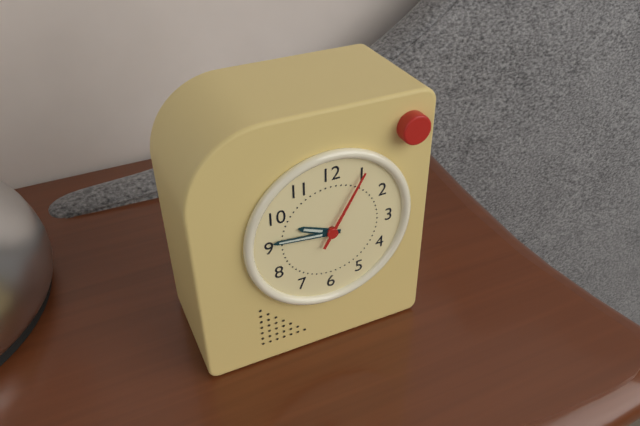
9,46,05
